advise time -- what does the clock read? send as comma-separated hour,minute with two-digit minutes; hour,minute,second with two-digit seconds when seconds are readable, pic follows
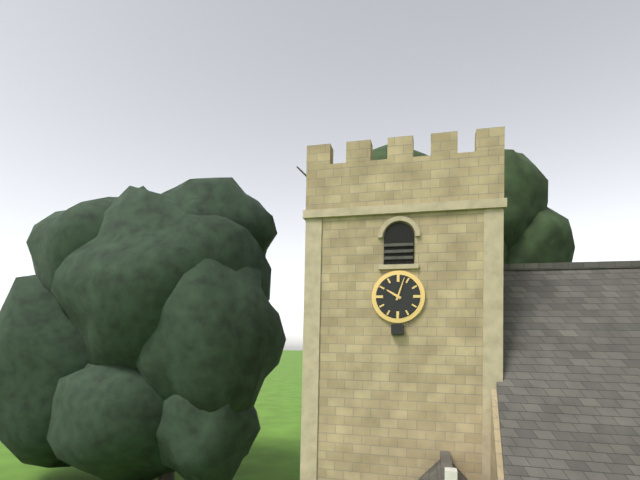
10,03
